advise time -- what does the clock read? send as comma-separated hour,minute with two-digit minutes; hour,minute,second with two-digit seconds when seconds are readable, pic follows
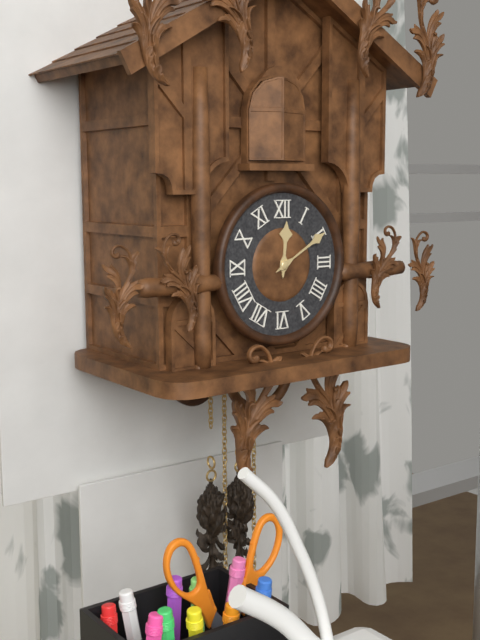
12,10
